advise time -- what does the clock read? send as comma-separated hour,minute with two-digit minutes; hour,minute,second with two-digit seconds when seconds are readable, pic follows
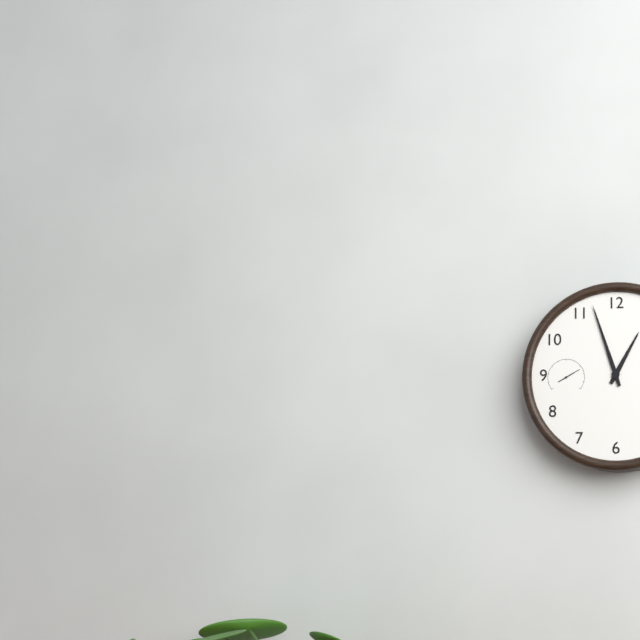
12,57
